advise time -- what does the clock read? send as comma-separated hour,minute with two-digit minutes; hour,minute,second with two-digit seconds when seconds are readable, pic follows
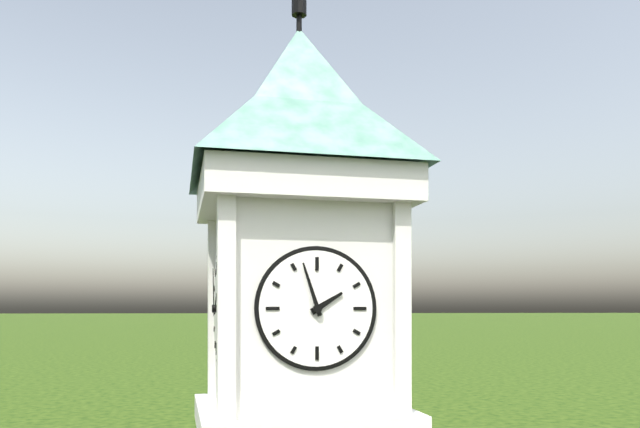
1,57
